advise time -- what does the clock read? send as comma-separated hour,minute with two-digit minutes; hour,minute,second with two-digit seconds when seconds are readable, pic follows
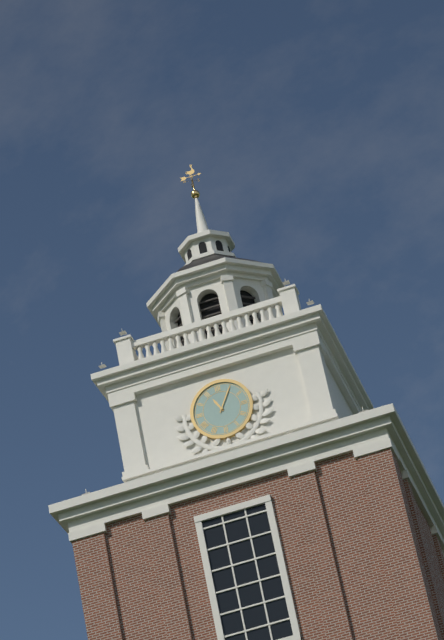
11,05
